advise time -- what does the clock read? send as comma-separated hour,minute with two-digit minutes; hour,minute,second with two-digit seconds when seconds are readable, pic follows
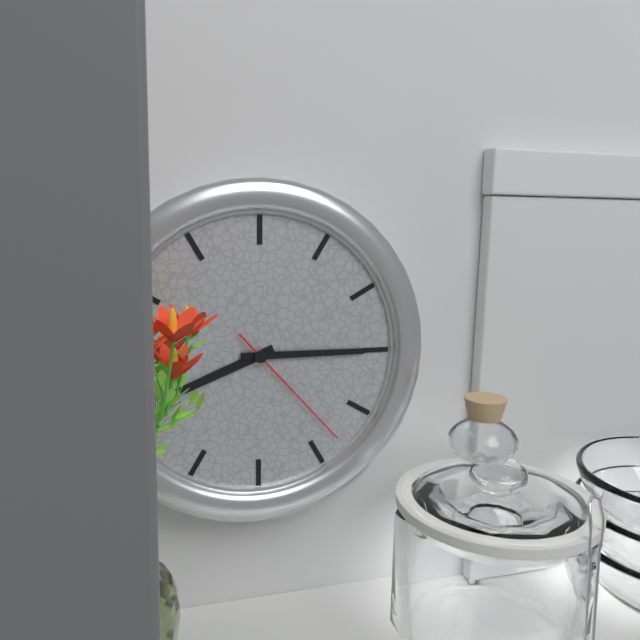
8,15,23
